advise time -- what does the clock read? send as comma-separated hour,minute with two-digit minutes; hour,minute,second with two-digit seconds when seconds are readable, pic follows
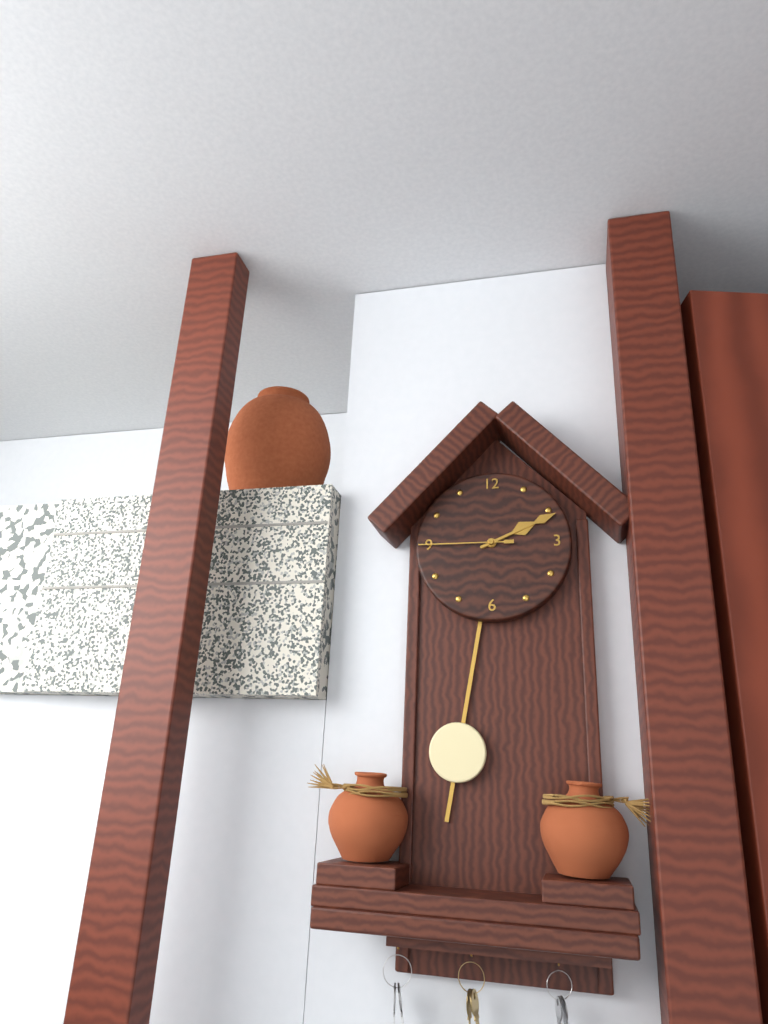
2,11,45
